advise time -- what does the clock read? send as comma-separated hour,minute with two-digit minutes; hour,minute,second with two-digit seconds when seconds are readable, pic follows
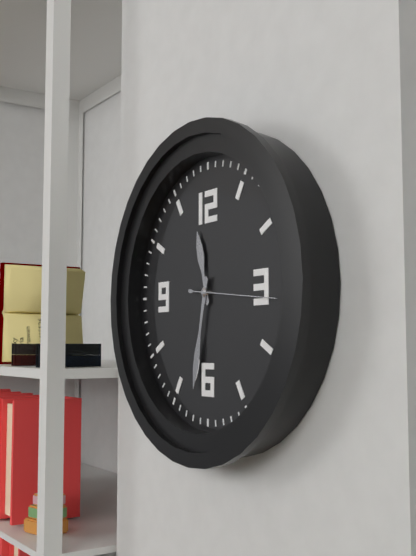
11,32,16
